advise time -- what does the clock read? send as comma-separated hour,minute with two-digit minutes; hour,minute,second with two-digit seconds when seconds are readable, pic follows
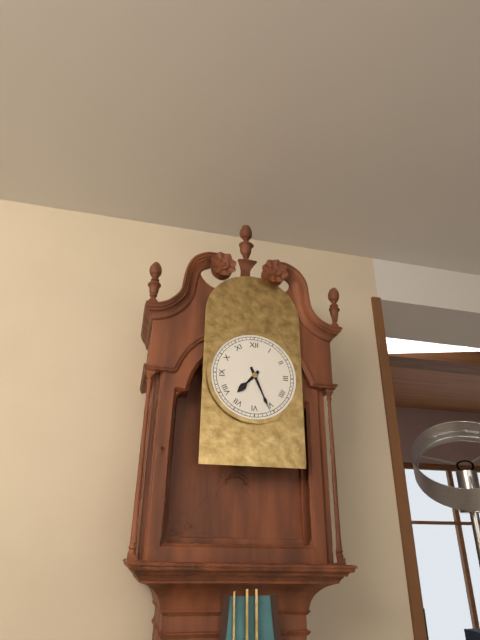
7,26
